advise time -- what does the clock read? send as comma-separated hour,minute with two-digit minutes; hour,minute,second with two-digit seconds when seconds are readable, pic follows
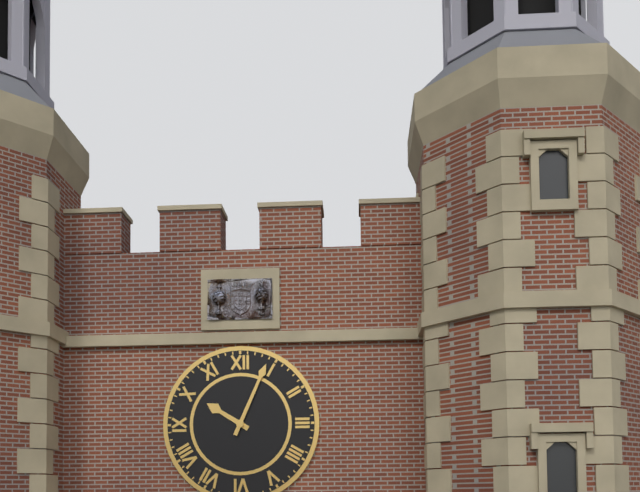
10,04
